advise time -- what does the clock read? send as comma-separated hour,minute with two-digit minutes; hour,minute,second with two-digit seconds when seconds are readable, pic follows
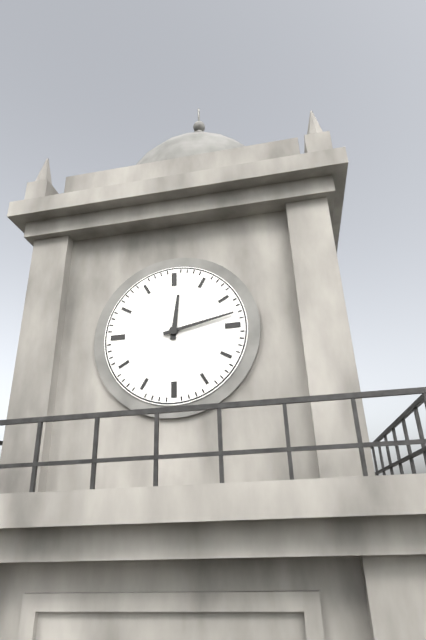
12,13
